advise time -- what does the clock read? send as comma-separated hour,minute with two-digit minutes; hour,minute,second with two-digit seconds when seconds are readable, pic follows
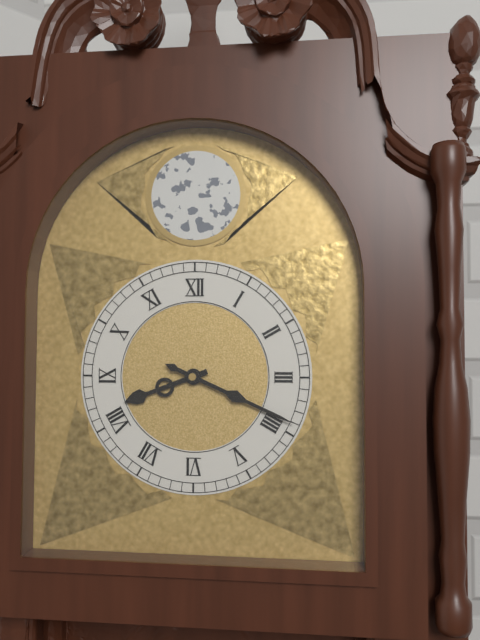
8,19
